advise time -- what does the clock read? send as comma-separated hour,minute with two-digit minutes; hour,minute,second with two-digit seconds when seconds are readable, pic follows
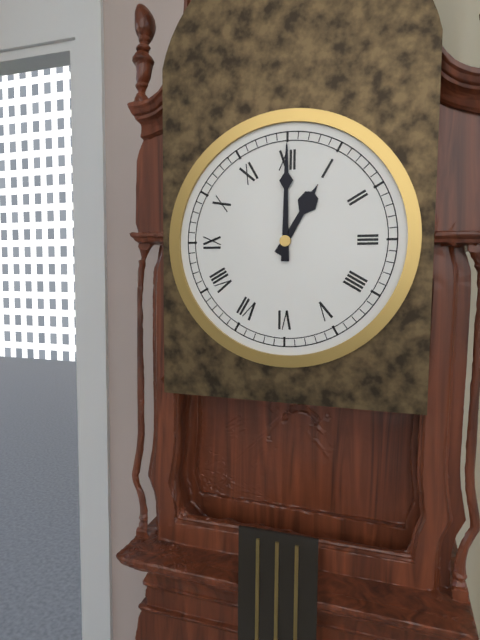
1,00
